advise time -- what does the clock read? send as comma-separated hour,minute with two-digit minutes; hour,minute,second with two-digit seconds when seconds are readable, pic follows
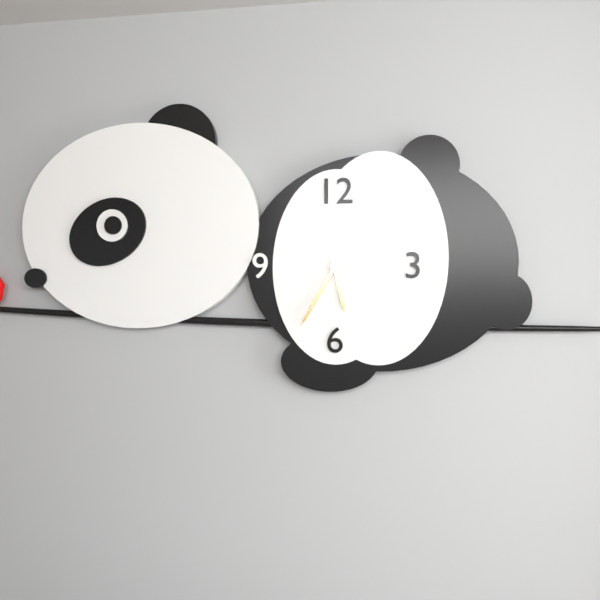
5,35
